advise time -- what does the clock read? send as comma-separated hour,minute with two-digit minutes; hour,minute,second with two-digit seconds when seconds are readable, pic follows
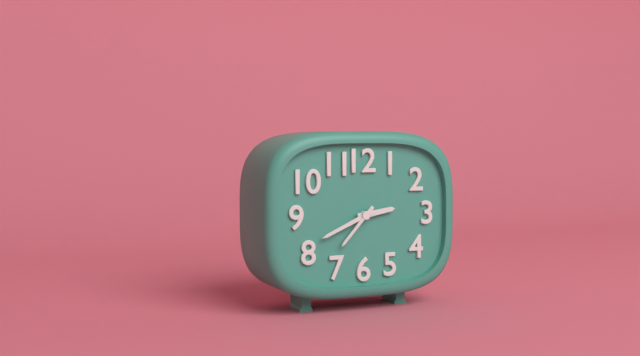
2,41
